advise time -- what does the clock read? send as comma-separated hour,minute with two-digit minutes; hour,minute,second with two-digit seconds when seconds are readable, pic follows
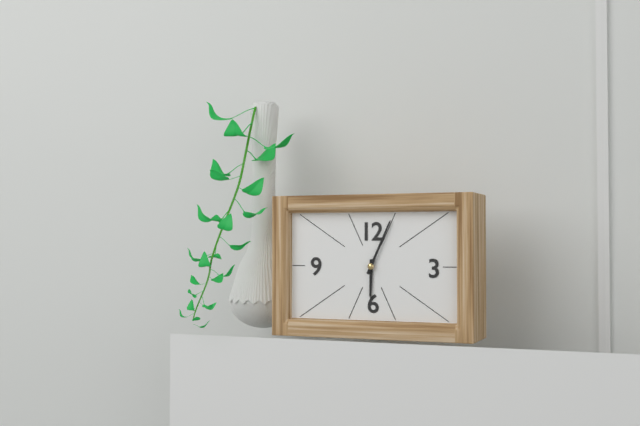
6,04
